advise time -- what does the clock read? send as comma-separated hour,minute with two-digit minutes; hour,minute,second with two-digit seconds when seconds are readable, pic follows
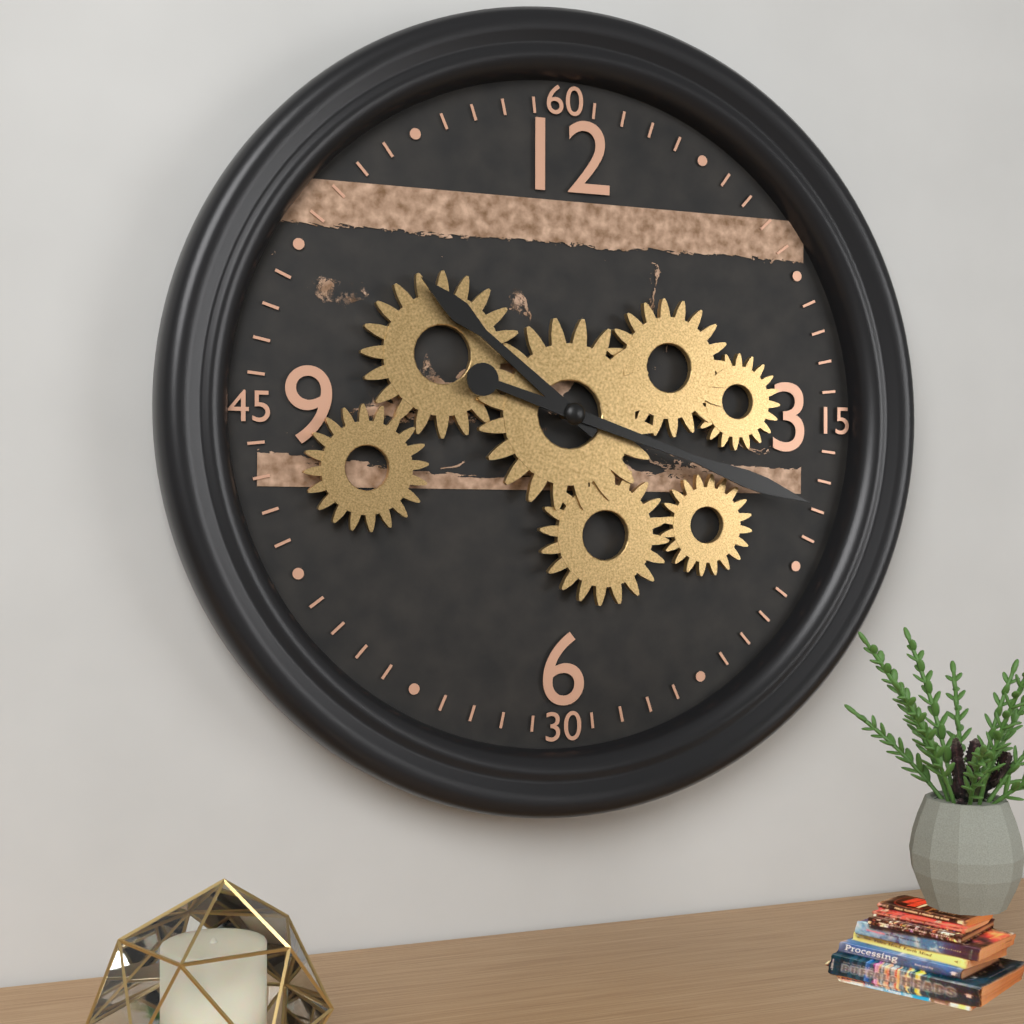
10,18
